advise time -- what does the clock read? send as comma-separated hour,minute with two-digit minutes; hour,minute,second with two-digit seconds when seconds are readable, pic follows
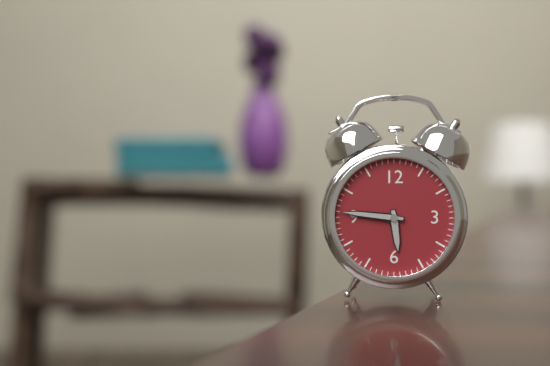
5,46
